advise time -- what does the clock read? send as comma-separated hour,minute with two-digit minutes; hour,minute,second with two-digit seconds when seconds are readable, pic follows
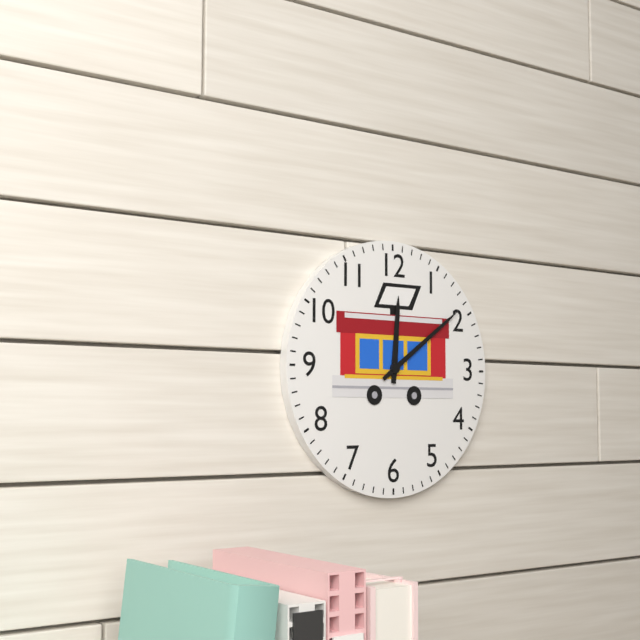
12,09
